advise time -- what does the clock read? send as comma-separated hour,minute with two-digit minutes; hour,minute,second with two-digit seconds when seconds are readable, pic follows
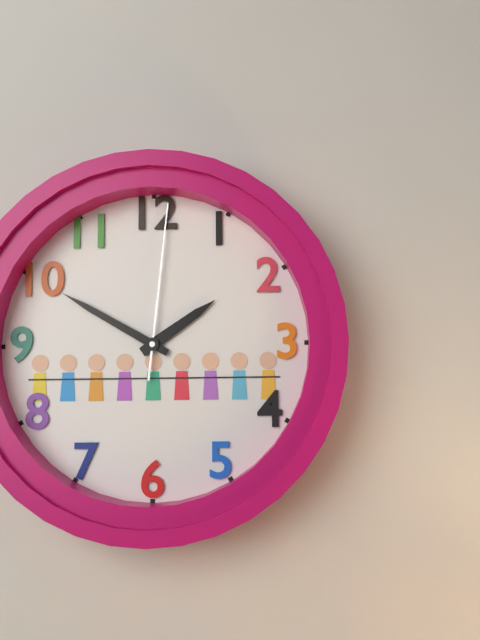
1,50,01
